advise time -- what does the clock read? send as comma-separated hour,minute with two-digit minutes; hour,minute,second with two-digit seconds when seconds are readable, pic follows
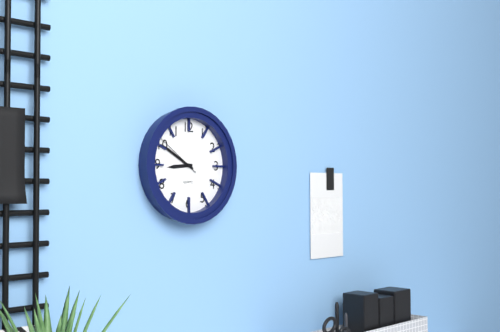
8,50,51
